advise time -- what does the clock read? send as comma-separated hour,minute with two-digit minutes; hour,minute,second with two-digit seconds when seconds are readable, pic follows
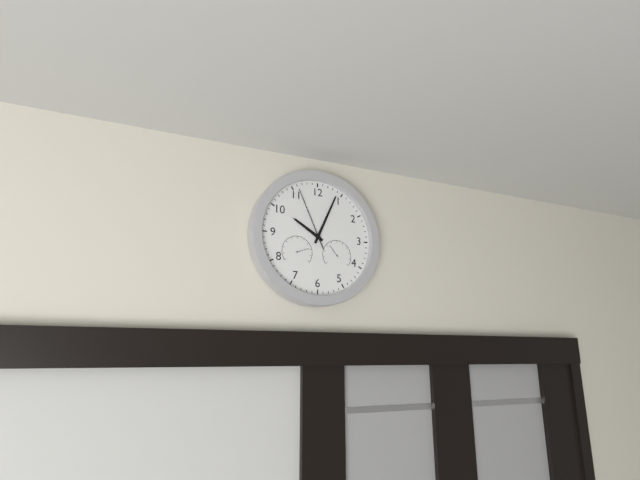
10,04,56
